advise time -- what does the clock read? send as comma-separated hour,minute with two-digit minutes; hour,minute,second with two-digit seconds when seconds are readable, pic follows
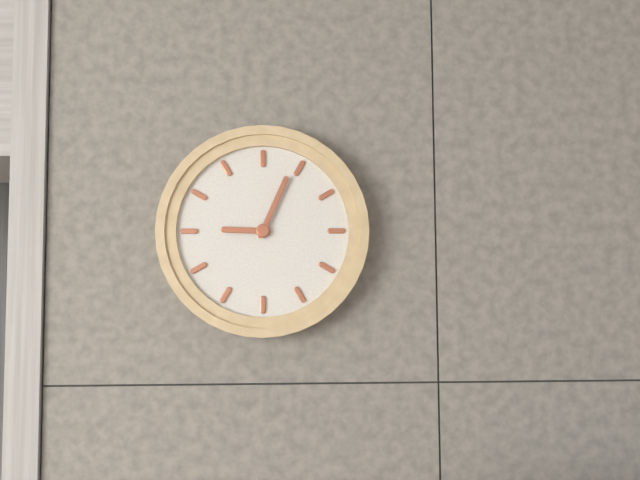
9,04
